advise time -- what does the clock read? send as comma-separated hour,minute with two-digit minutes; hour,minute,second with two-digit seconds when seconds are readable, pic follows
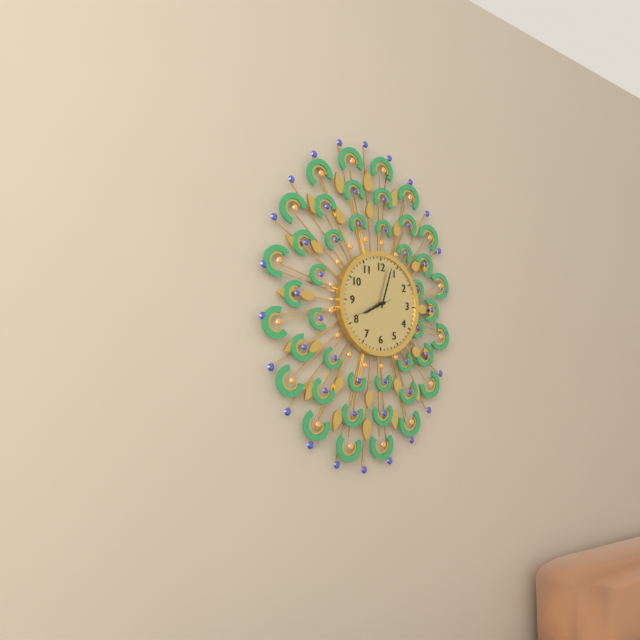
8,03
